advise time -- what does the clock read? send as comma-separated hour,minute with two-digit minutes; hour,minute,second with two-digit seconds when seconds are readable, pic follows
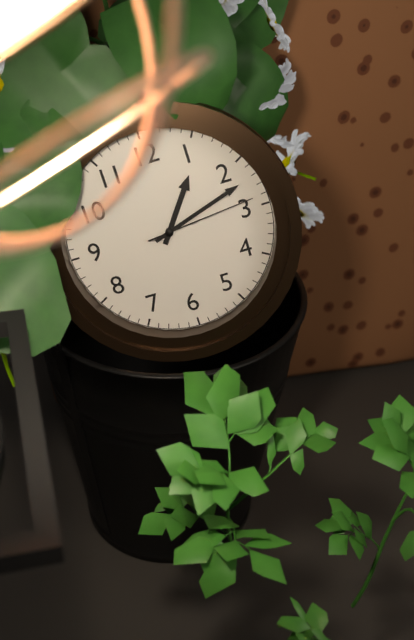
1,12,14
